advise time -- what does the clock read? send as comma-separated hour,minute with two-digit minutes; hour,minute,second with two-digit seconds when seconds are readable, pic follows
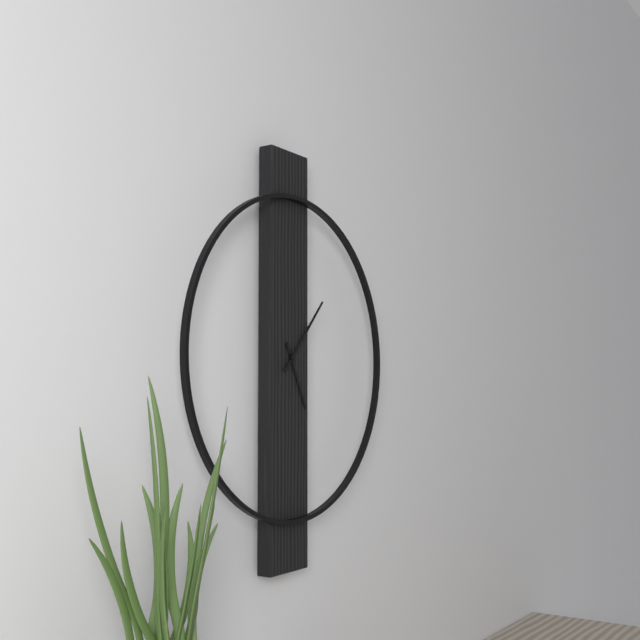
5,07
